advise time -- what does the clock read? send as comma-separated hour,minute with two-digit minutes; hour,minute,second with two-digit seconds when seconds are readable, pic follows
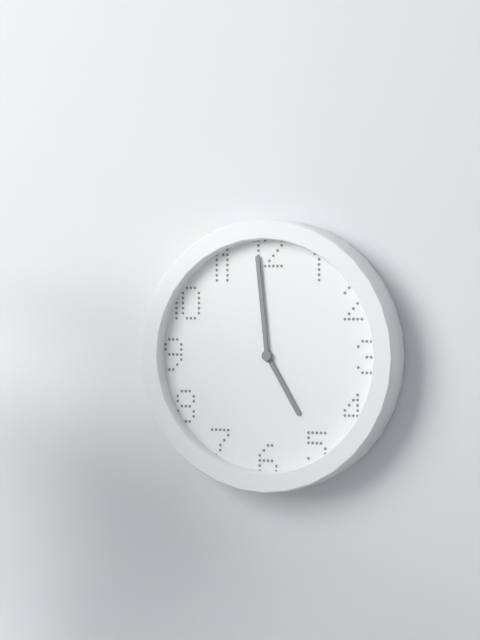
4,59
